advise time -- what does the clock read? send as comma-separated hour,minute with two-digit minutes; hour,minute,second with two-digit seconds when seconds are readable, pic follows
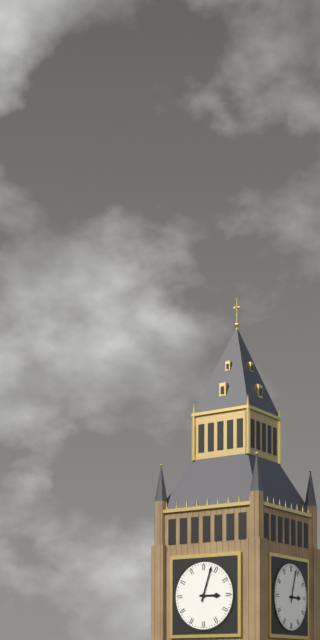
3,03
